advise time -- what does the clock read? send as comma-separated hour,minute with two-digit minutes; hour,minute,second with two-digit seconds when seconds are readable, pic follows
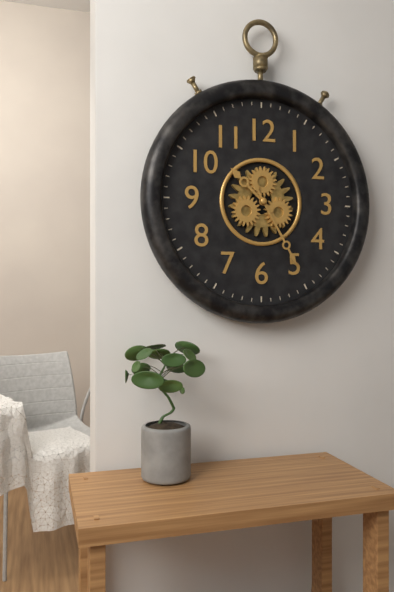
10,25
